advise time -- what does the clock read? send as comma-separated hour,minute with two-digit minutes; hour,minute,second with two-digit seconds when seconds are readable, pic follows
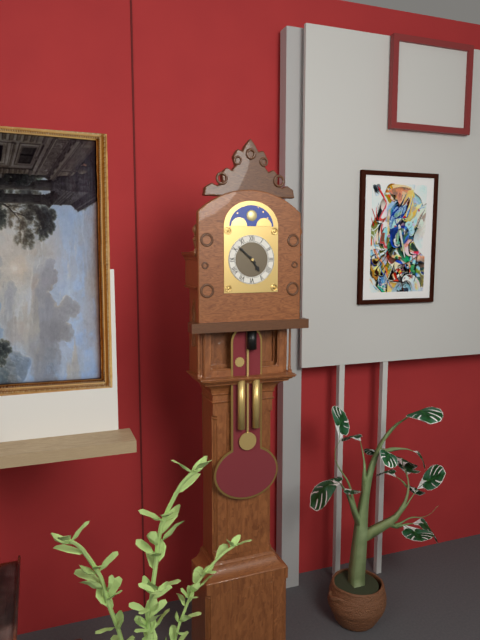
4,52
